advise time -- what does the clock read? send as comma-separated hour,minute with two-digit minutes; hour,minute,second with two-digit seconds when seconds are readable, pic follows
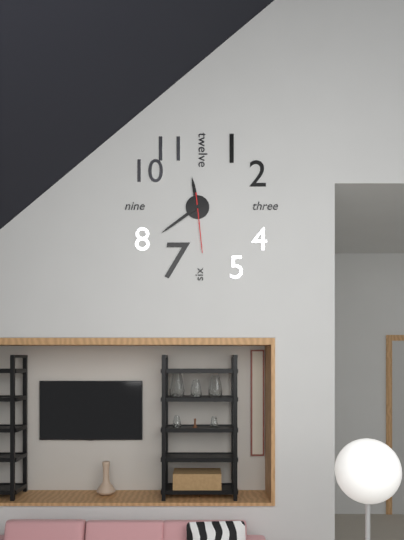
11,39,29
